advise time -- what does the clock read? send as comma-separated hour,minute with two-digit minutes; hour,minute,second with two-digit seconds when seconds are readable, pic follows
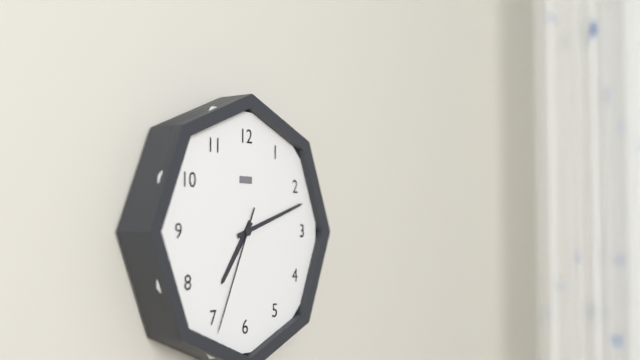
7,12,34
